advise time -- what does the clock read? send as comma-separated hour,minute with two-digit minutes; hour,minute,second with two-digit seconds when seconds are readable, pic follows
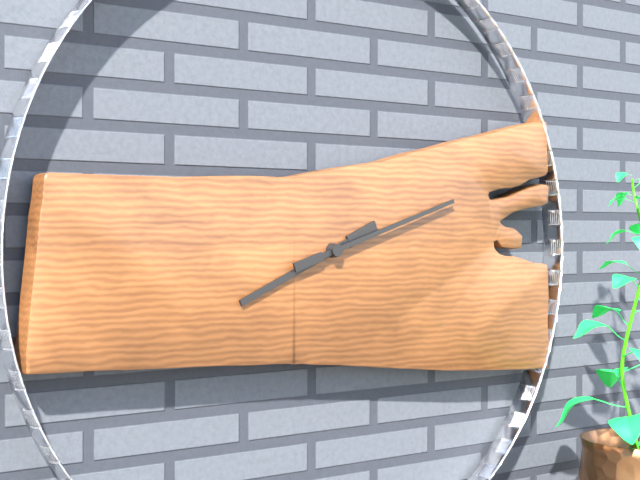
8,12
